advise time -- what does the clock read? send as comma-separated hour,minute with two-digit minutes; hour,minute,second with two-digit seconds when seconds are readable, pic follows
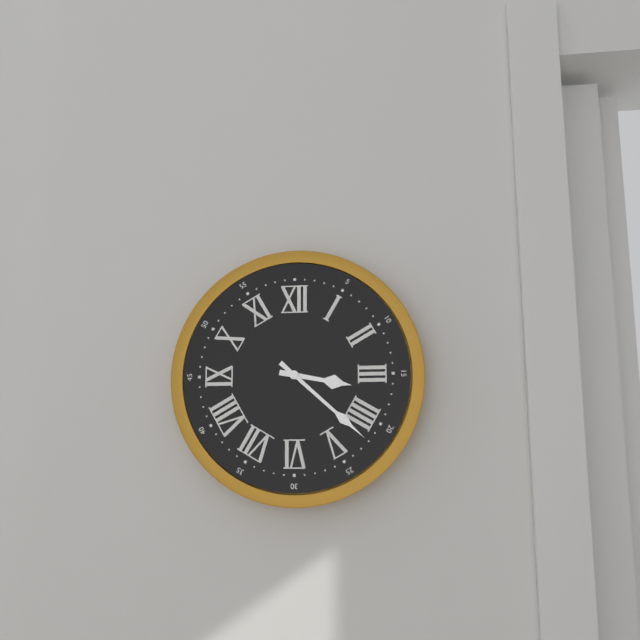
3,22
